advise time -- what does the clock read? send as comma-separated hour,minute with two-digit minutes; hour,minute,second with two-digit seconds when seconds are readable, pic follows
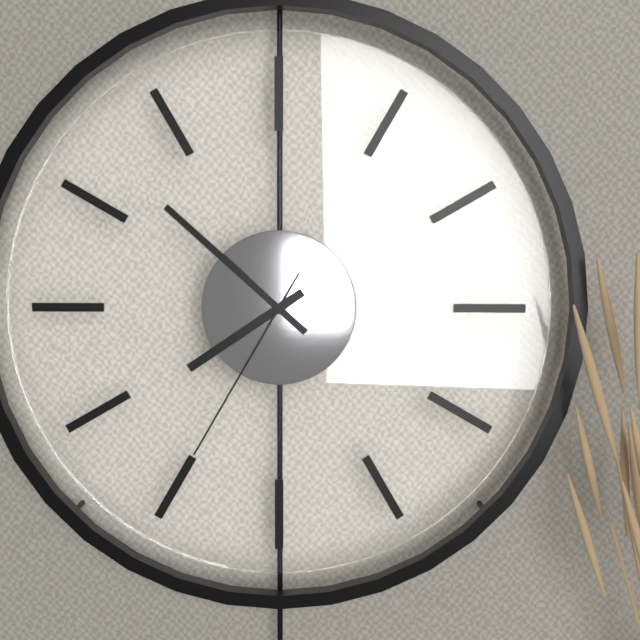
7,52,35
